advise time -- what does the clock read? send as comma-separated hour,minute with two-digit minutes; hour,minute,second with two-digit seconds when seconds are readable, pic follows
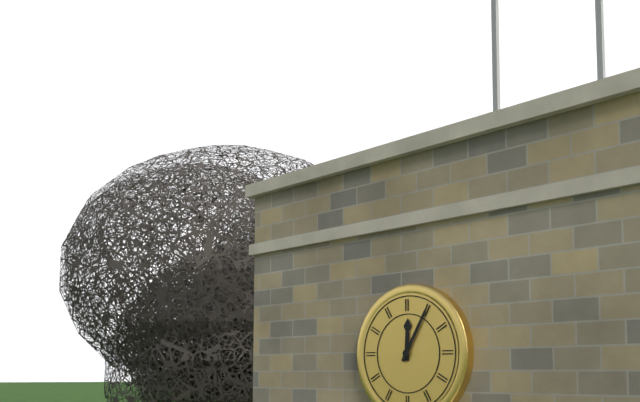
12,05
